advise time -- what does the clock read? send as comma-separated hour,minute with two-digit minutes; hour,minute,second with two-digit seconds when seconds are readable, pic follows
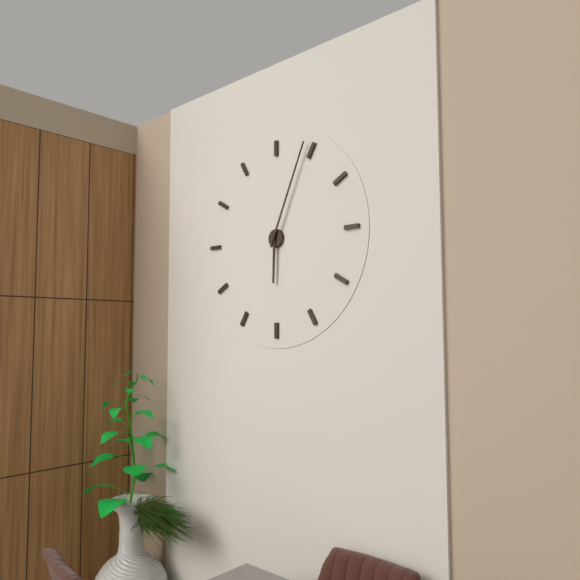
6,04
